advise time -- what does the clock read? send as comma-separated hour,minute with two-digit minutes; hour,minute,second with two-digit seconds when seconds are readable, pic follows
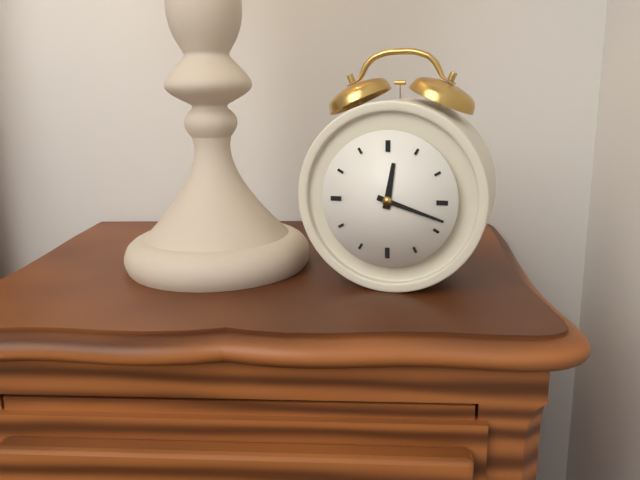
12,18
